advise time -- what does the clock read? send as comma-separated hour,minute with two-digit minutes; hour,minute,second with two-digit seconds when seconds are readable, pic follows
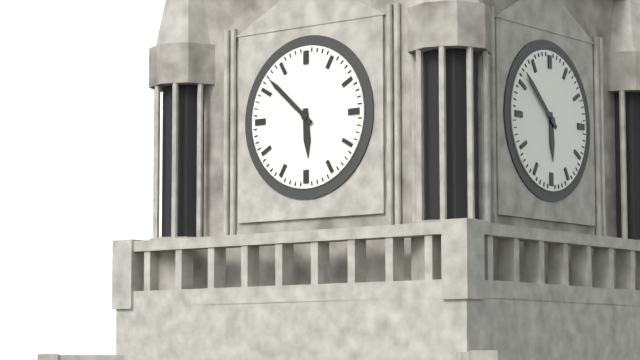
5,52
